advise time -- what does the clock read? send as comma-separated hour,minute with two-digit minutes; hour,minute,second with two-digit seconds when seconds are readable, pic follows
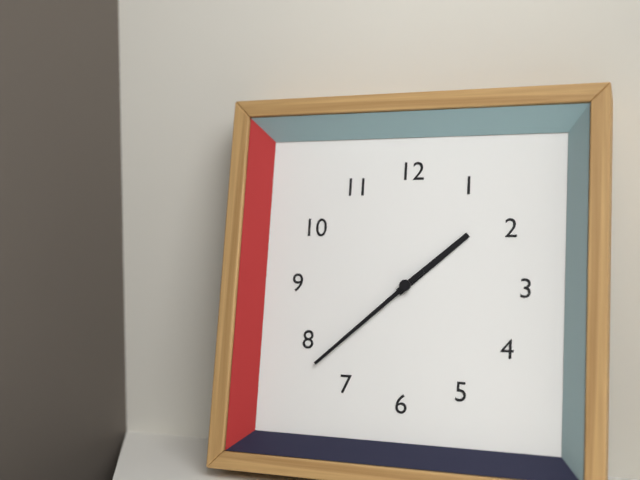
1,38
